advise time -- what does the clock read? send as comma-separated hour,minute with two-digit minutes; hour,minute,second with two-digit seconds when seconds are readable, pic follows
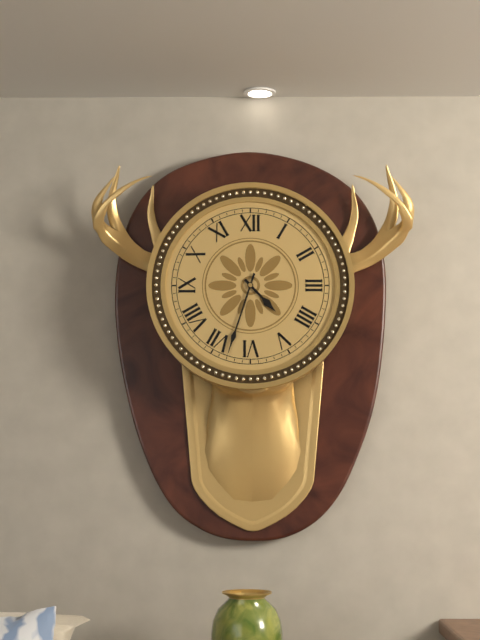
4,33
